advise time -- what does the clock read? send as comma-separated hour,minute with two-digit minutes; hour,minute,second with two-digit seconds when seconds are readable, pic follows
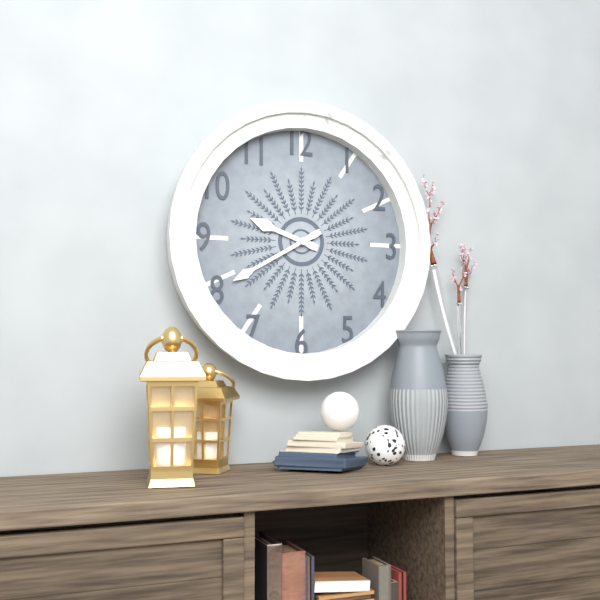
9,40
